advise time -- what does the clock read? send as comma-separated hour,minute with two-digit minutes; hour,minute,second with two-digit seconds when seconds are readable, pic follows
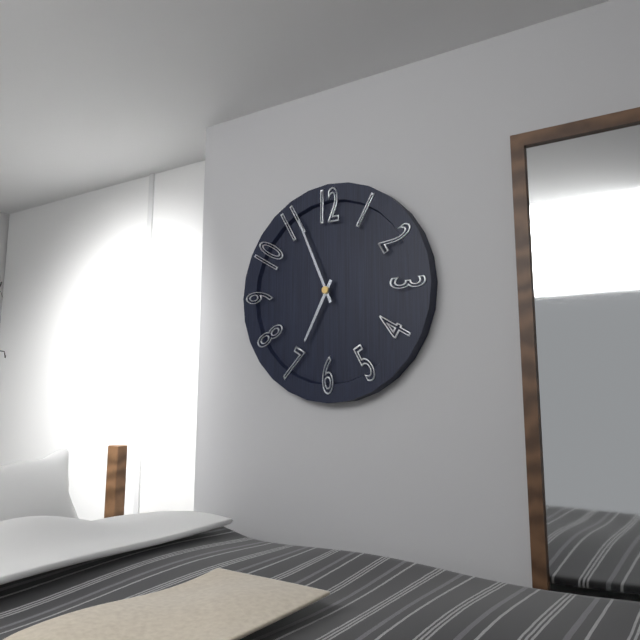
6,56
